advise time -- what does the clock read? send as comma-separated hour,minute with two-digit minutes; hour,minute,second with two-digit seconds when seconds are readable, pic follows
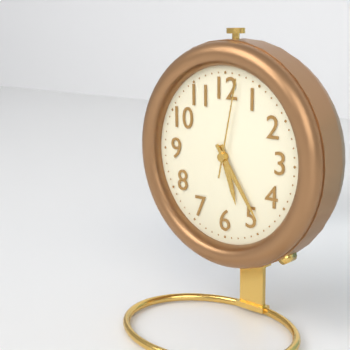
5,24,02
